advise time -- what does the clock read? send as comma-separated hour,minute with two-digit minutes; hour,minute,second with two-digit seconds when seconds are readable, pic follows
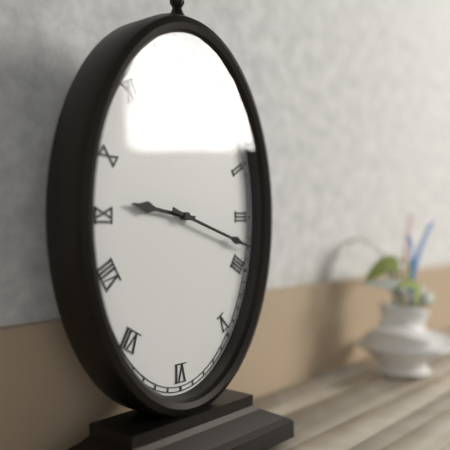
9,18
